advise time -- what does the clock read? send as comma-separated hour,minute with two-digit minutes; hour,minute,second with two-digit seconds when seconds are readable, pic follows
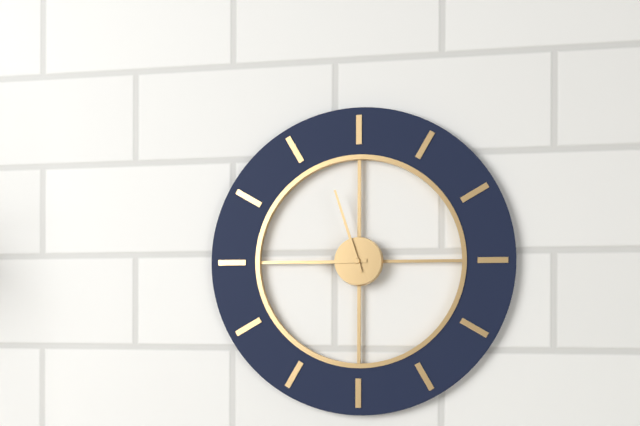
8,57
